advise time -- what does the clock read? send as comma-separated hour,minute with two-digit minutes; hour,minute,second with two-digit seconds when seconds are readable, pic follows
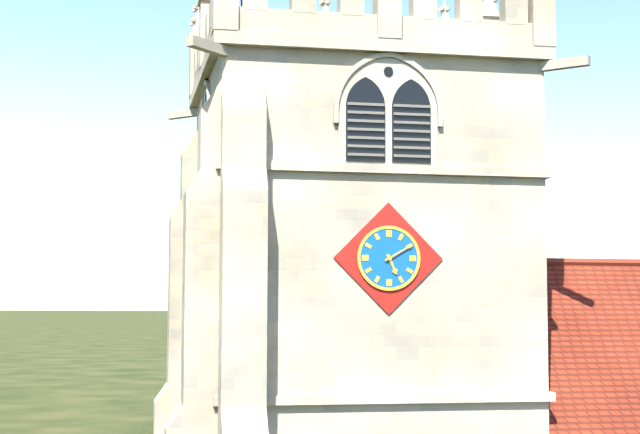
5,10
